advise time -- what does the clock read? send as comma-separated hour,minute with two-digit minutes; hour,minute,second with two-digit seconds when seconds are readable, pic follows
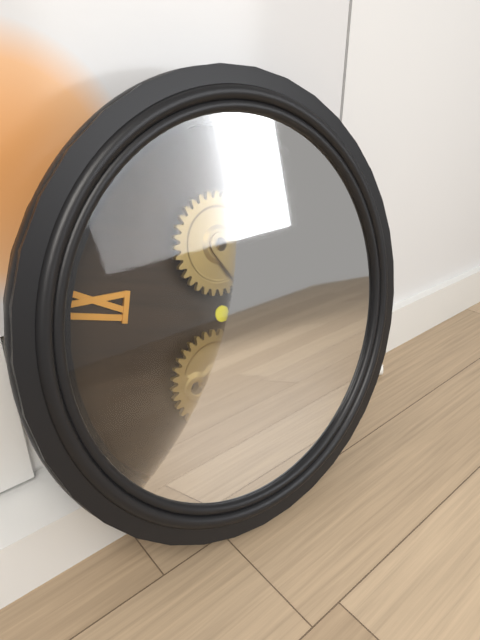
3,02
